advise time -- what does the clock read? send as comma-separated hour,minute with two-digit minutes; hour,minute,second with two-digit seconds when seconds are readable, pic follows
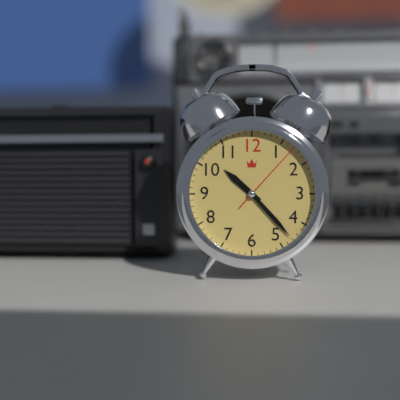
10,23,07
